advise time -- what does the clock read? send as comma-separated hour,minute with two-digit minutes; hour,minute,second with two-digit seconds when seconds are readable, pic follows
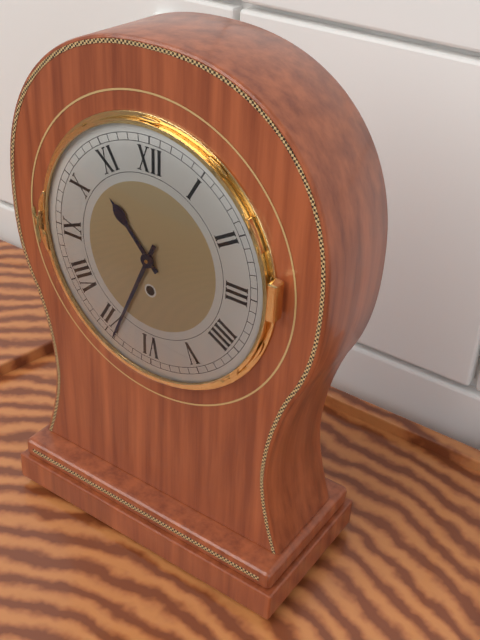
10,34
